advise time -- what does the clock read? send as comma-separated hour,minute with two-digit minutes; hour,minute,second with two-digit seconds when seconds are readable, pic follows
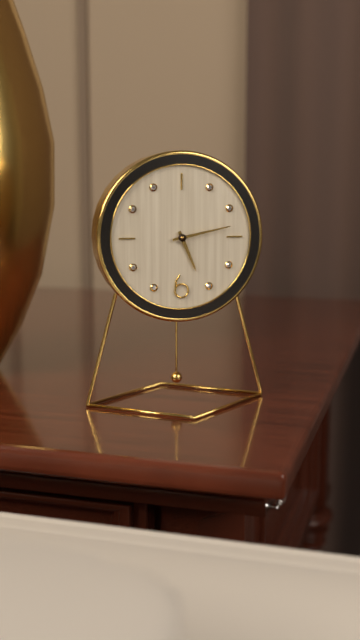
5,13
